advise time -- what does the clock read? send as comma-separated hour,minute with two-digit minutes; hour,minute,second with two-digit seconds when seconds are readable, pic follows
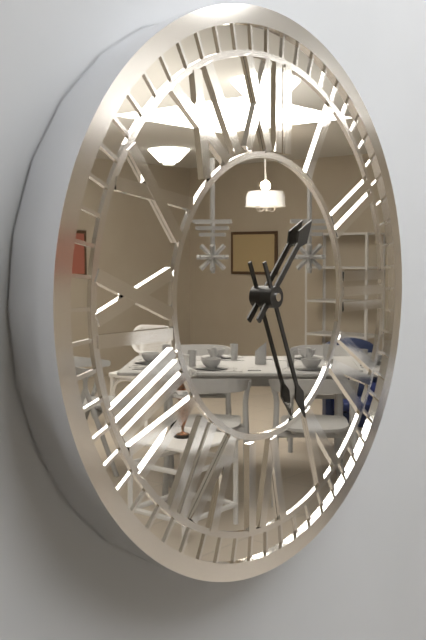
1,26
